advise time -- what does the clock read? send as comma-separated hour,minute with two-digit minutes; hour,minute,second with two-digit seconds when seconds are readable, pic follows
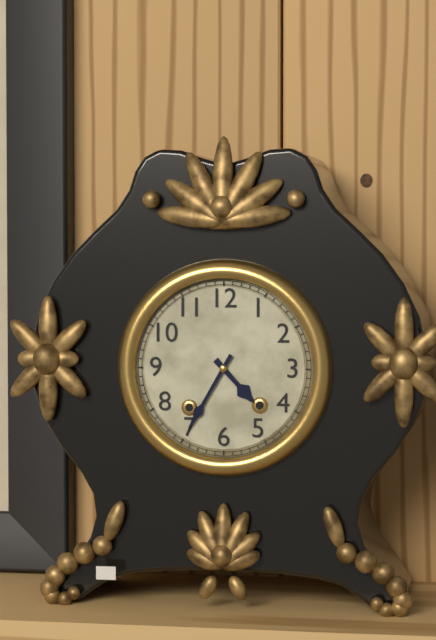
4,35
